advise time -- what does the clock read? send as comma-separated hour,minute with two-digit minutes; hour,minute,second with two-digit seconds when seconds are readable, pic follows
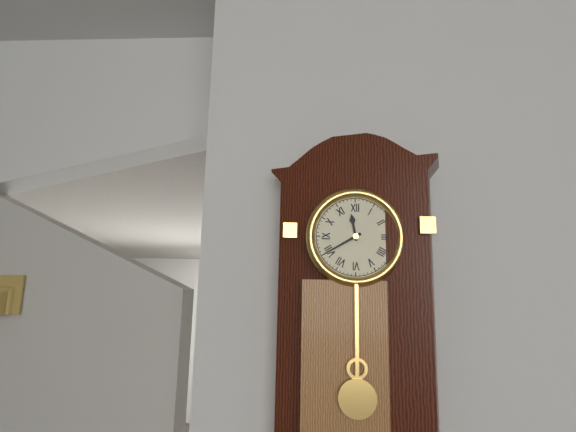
11,40
